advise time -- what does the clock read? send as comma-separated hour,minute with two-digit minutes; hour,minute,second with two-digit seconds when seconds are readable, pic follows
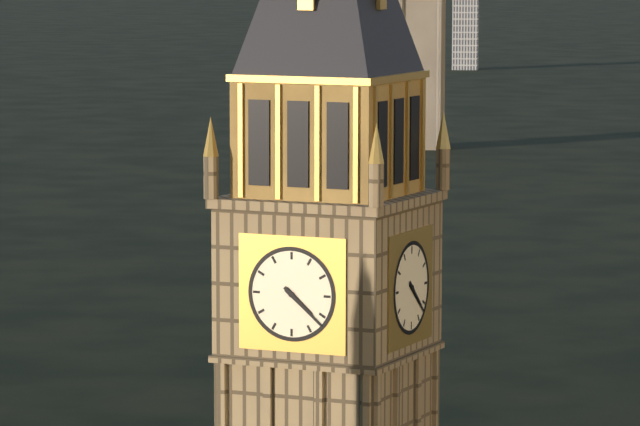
4,22
